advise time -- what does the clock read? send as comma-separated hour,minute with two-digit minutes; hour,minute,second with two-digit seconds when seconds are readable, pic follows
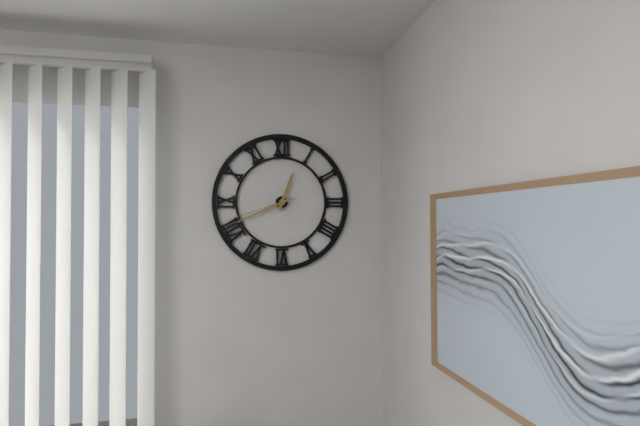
12,41,42
